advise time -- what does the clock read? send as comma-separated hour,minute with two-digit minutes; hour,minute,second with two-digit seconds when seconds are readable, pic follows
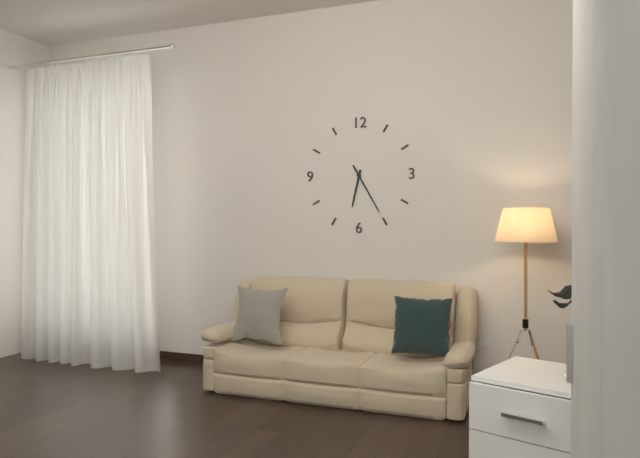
6,25
